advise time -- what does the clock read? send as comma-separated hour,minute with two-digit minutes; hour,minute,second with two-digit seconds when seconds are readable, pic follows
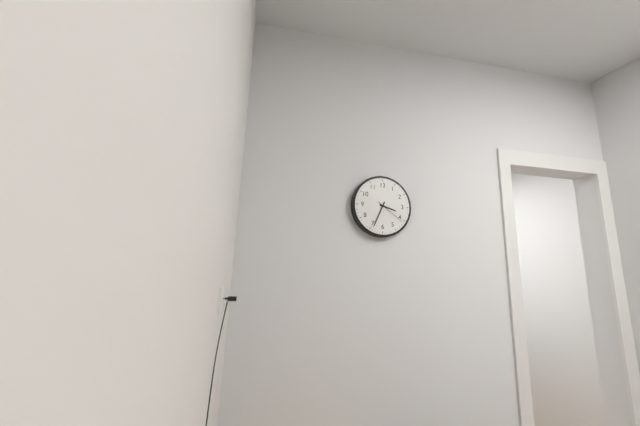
3,34
